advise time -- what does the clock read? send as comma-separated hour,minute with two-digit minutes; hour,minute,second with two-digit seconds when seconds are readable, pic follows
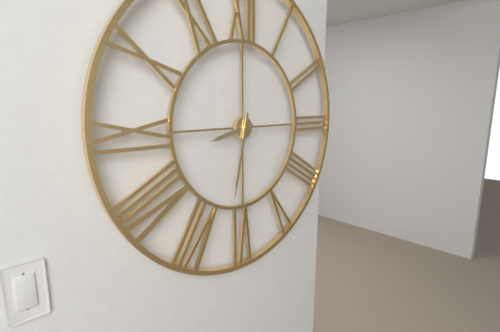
8,32
